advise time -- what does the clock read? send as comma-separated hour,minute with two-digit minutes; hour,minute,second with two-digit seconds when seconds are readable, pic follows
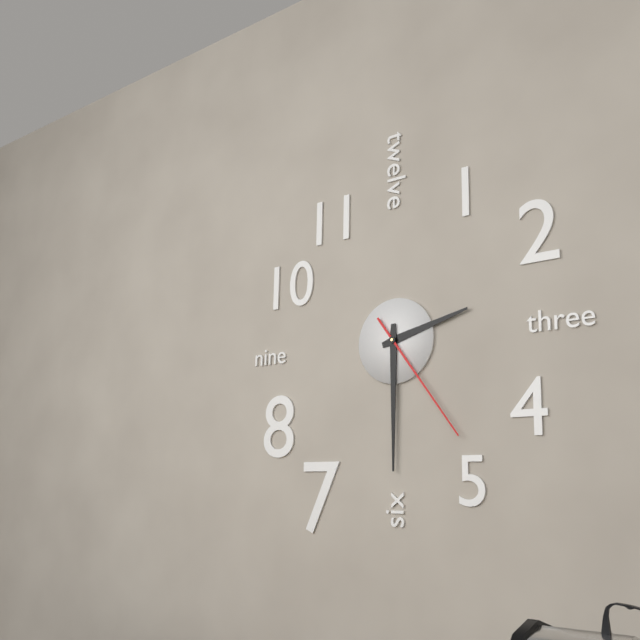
2,30,24
